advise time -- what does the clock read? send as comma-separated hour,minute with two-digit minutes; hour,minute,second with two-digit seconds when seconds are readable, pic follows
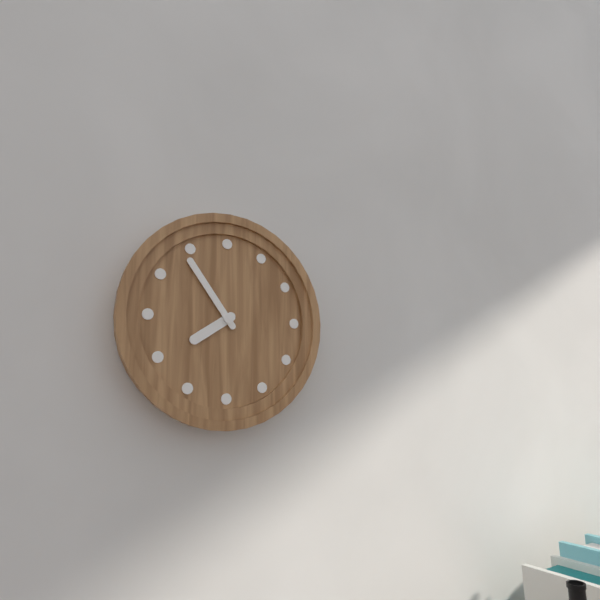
7,54
